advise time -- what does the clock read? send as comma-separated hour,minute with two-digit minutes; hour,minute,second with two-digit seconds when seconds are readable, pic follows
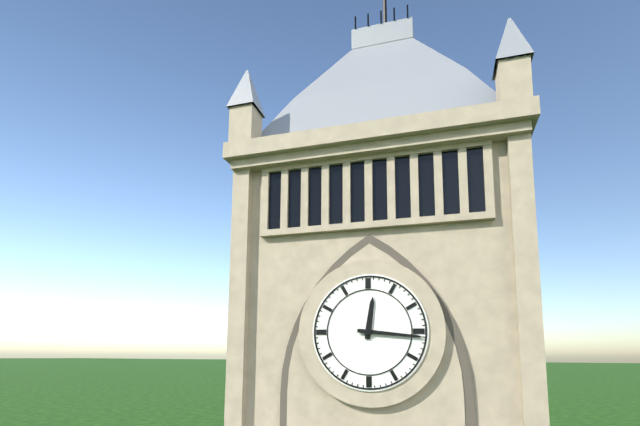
12,16
